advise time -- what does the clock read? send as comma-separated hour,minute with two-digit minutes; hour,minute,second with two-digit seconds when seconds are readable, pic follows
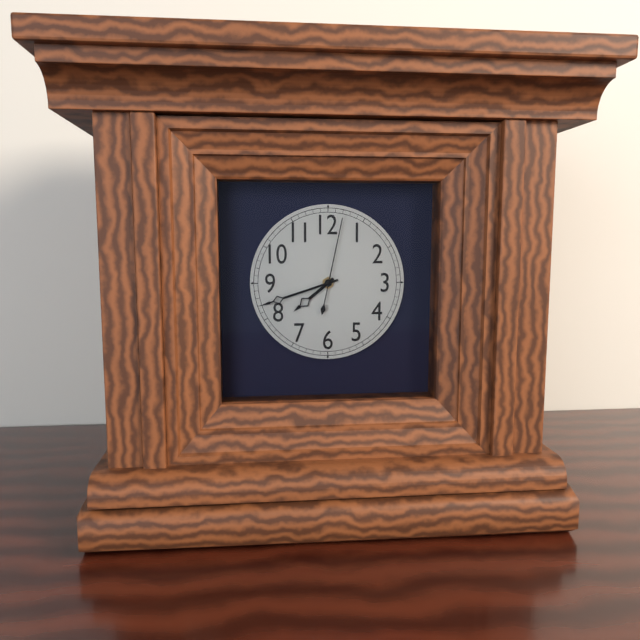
7,42,02
